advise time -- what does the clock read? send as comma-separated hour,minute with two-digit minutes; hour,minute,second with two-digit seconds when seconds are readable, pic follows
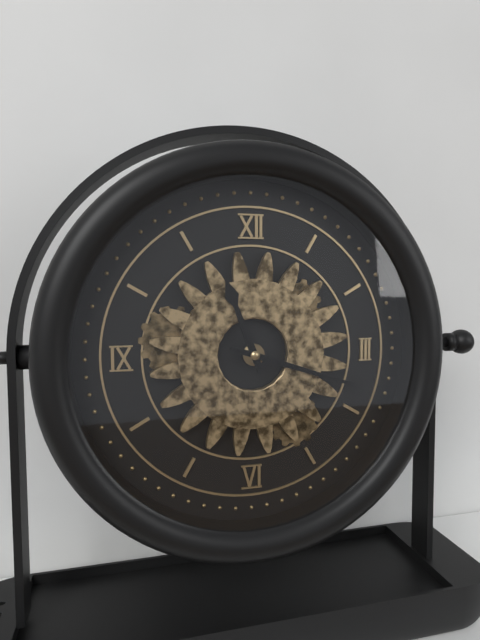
11,18
